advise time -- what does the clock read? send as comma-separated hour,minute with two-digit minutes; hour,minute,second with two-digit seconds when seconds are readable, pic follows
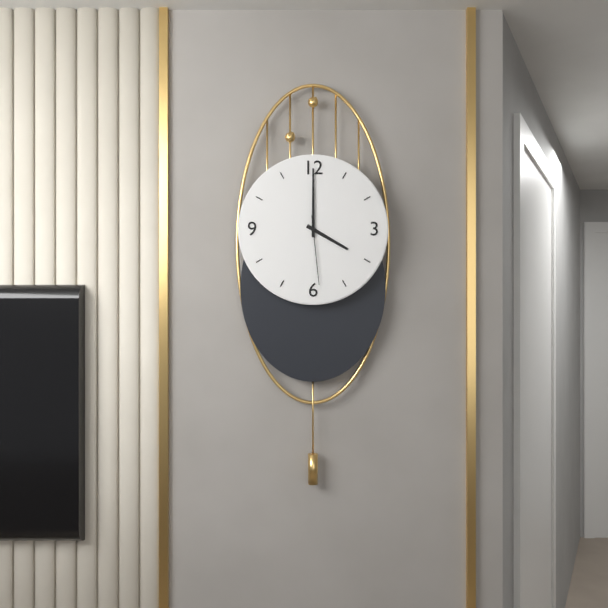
4,00,29
